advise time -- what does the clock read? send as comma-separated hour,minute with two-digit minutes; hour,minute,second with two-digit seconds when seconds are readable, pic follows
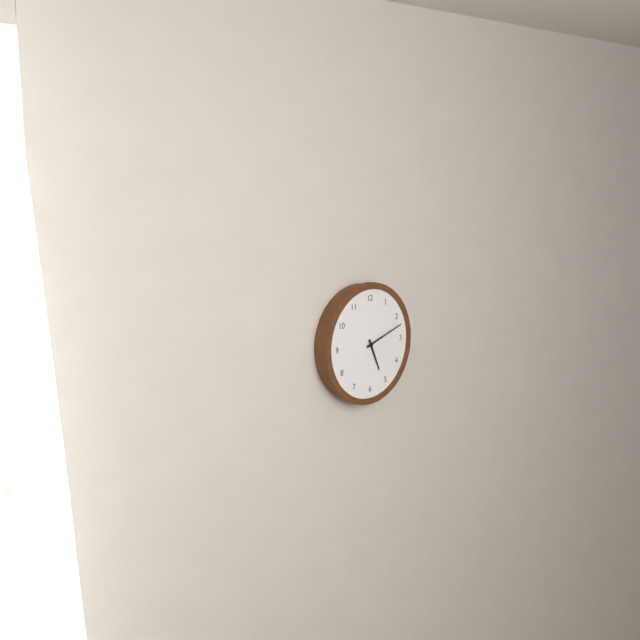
5,12
